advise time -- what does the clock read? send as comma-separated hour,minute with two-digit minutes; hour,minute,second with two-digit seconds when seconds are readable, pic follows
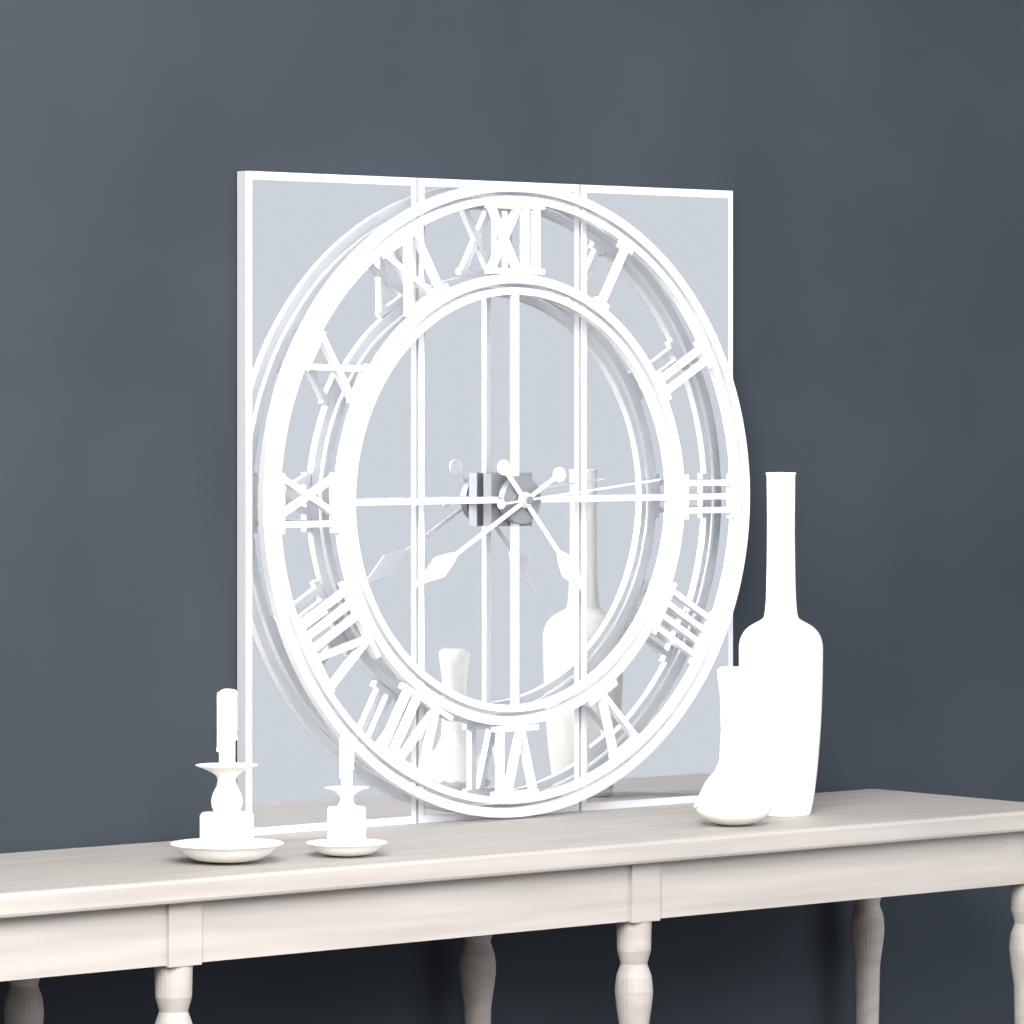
4,40,14
